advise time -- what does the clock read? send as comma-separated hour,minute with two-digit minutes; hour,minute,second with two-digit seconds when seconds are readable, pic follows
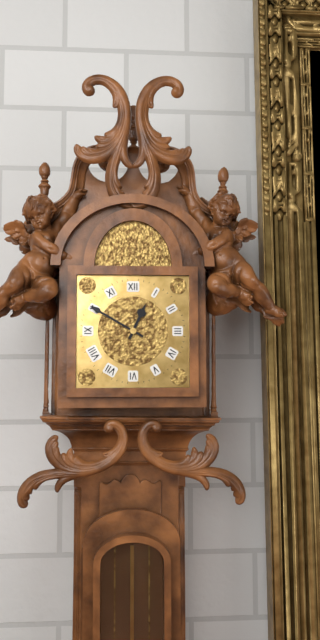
12,50
